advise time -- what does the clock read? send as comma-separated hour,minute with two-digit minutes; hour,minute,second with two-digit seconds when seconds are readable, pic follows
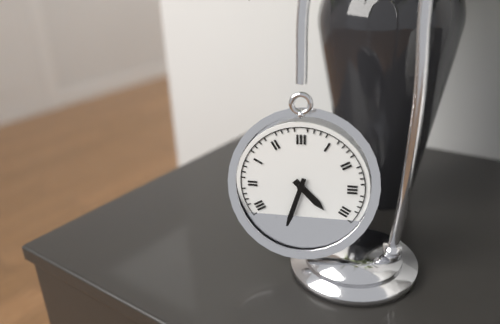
4,33
